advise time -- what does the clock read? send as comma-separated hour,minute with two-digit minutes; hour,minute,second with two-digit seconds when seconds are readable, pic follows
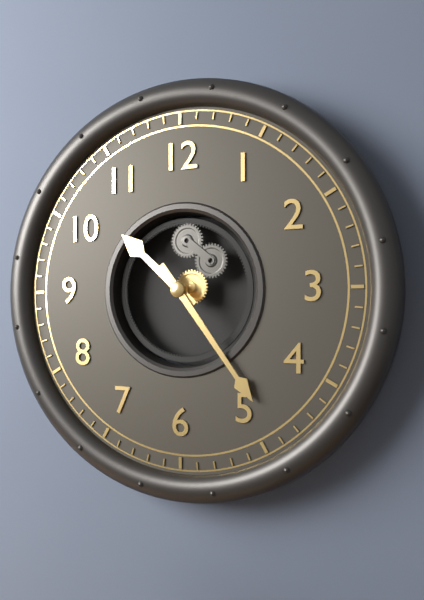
10,24
